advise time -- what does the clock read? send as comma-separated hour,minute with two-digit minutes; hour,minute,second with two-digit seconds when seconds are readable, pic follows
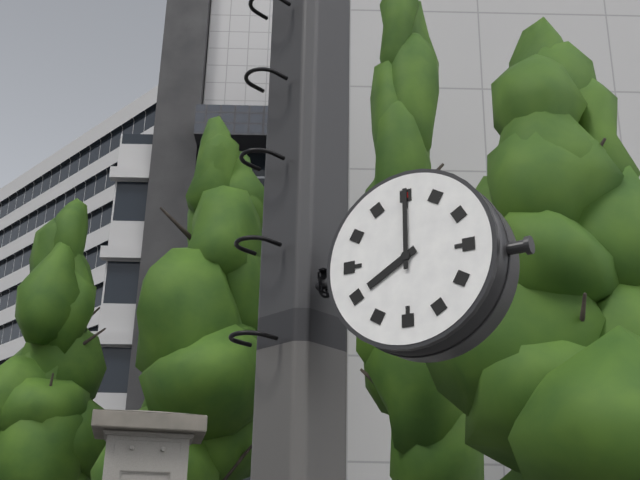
8,00
